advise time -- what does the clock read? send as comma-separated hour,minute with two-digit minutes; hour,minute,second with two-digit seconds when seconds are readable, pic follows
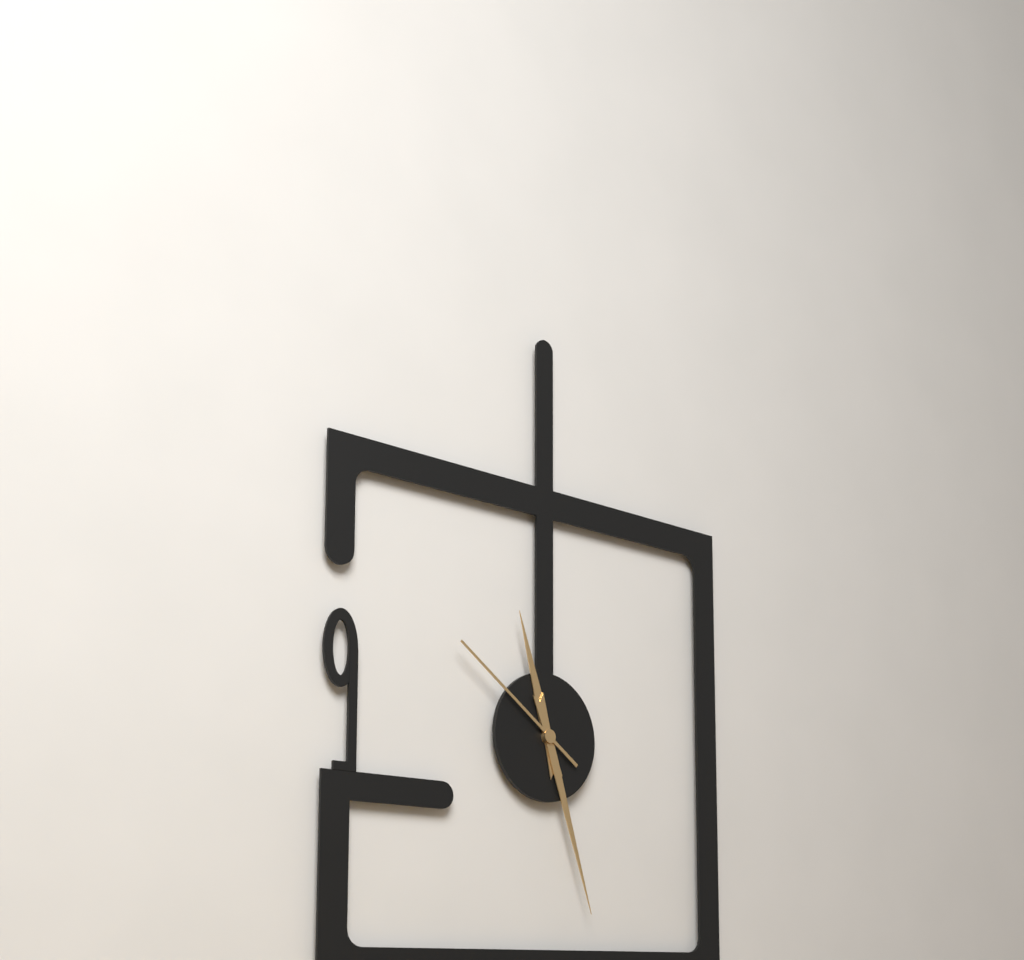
11,27,51
